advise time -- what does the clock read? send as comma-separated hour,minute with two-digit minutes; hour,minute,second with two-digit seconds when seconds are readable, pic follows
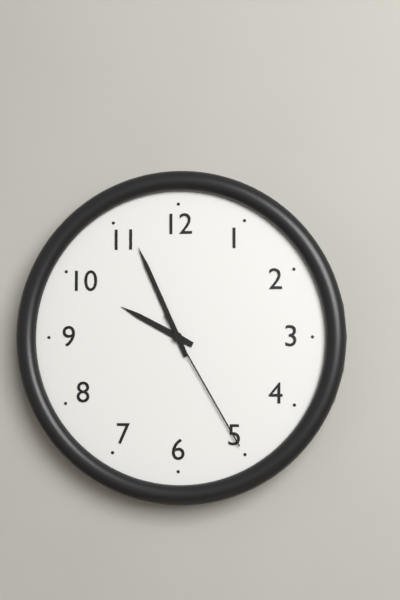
9,56,25
